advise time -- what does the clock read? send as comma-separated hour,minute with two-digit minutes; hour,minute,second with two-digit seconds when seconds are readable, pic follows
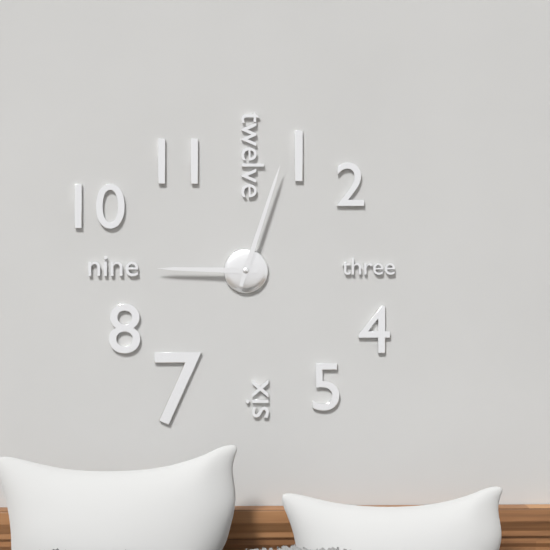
9,03
